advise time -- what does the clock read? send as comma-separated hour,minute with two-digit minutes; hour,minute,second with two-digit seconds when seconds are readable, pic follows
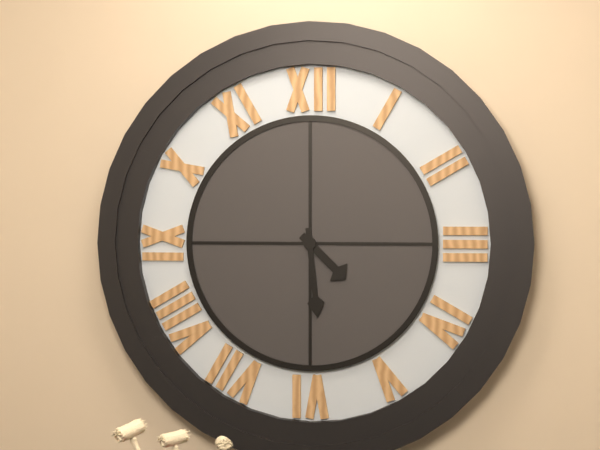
4,29
